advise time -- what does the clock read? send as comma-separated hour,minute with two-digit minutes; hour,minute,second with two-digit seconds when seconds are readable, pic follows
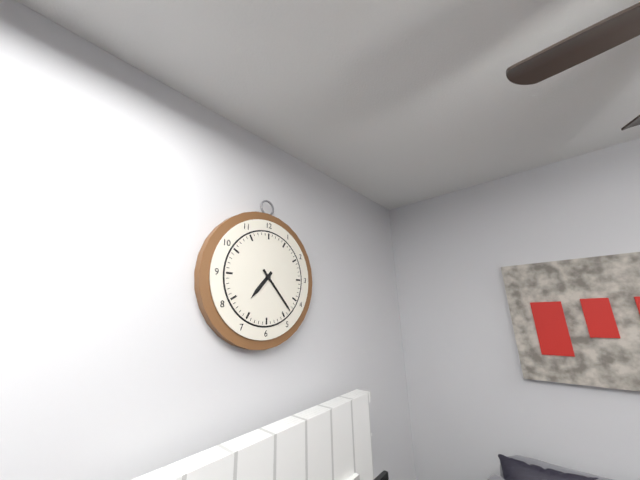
7,23
